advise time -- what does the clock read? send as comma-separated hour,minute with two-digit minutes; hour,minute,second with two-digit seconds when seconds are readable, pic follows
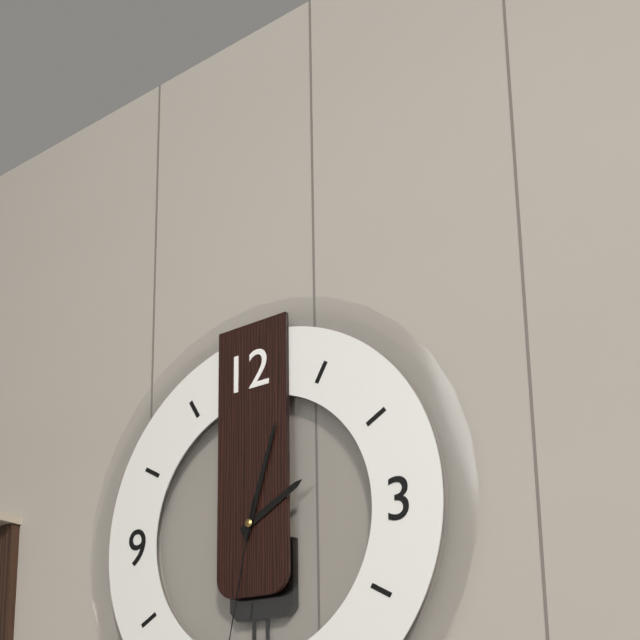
2,03
